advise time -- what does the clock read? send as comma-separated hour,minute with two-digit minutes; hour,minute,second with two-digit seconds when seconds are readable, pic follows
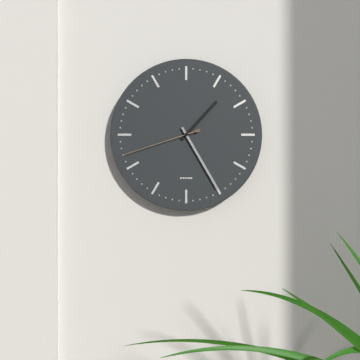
1,25,42
